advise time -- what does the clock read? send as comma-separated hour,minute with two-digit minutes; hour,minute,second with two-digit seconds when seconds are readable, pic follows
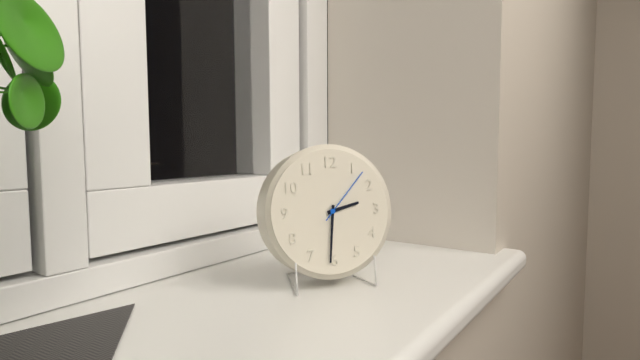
2,31,07
